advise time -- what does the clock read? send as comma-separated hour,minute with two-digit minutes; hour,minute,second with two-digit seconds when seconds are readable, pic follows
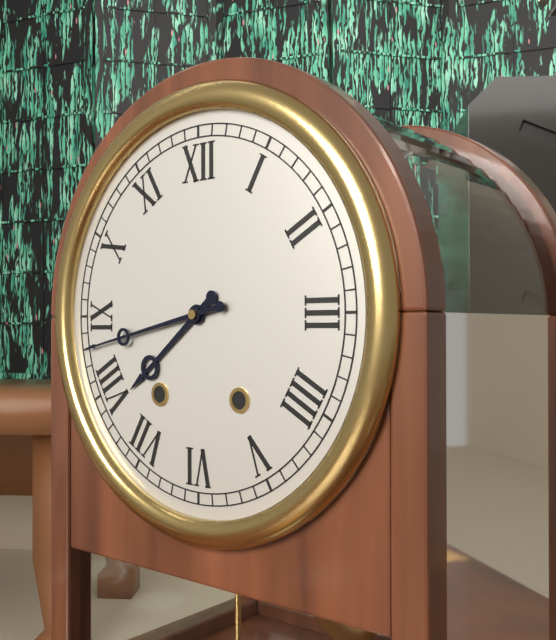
7,43
